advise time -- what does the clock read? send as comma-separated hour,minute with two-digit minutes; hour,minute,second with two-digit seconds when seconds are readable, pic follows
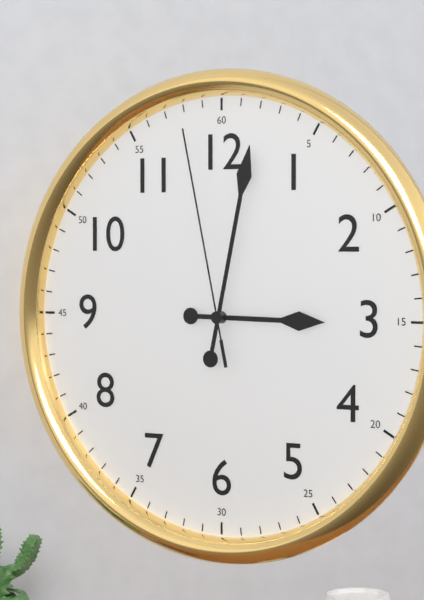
3,02,58
